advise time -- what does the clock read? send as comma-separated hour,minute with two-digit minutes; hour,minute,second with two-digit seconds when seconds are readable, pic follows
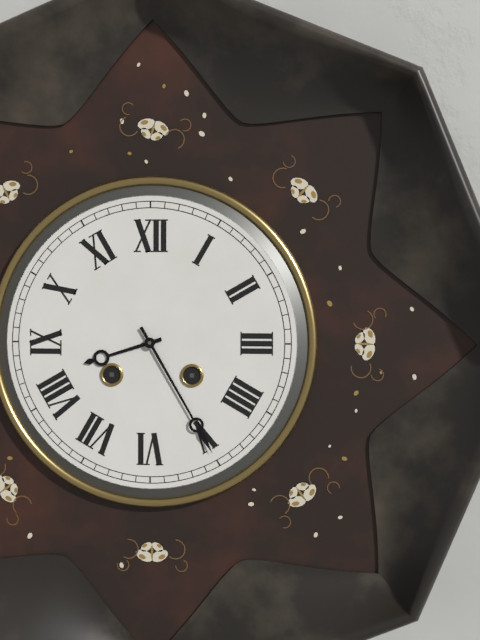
8,25
